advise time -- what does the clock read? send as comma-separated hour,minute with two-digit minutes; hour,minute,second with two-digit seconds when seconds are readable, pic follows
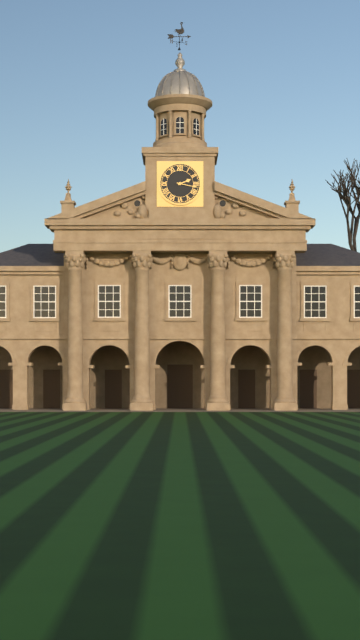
2,17
